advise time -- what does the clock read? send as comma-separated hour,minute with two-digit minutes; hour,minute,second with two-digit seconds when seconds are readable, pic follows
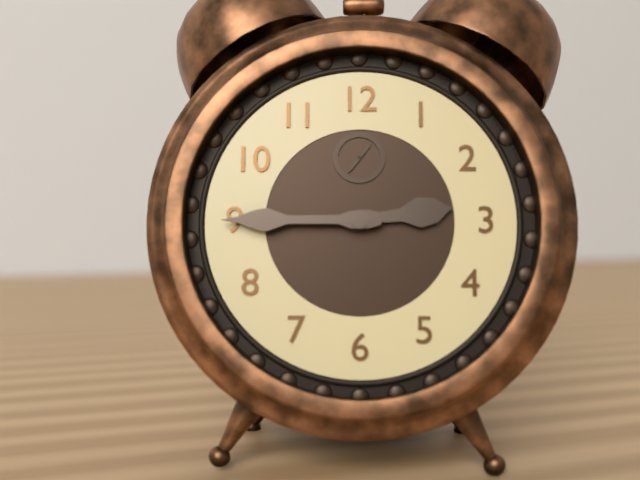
2,45
